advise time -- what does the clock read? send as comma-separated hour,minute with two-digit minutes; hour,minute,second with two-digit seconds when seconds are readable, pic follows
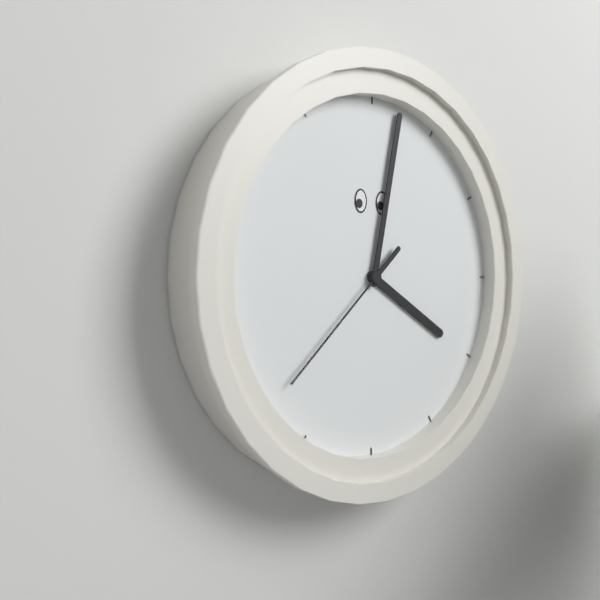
4,02,38
